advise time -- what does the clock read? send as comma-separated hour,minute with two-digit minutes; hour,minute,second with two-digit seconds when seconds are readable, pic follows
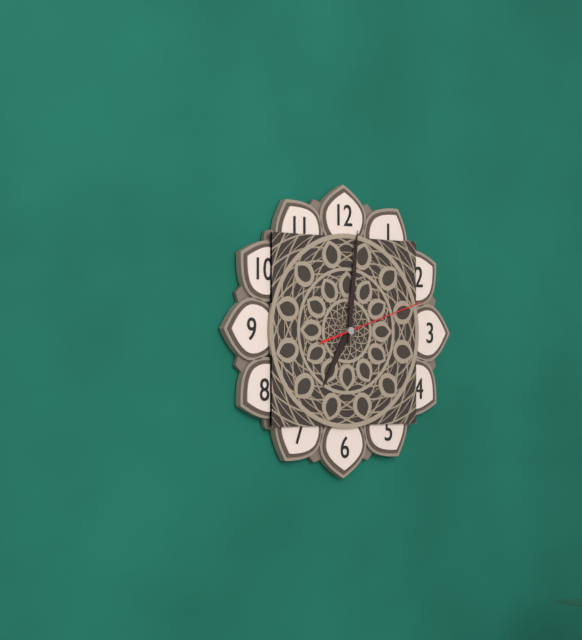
7,01,12
